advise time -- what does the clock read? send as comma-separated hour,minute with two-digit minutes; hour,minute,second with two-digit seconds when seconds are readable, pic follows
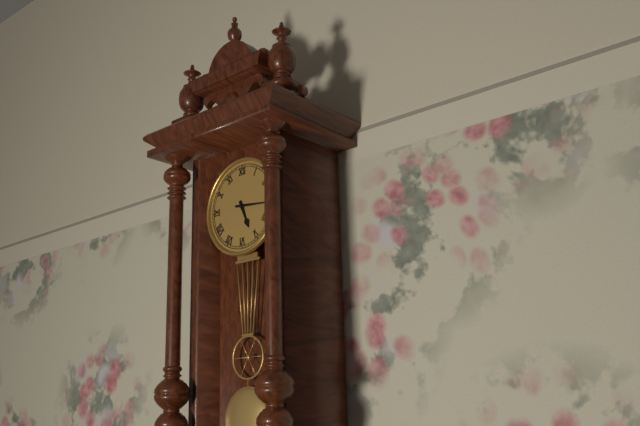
5,16
